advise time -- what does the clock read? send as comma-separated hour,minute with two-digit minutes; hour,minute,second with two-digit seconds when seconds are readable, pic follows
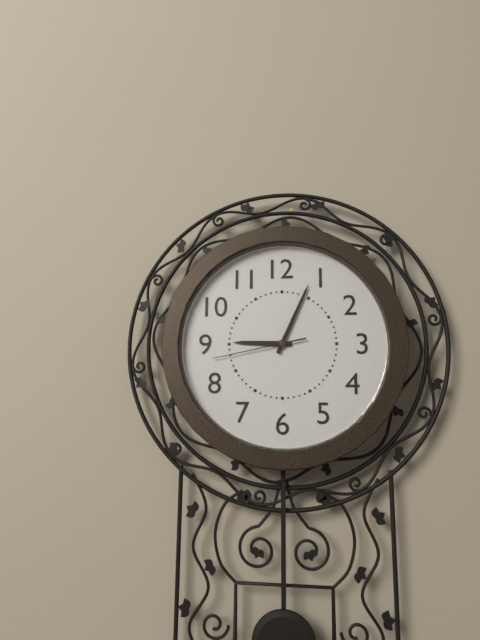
9,04,43
